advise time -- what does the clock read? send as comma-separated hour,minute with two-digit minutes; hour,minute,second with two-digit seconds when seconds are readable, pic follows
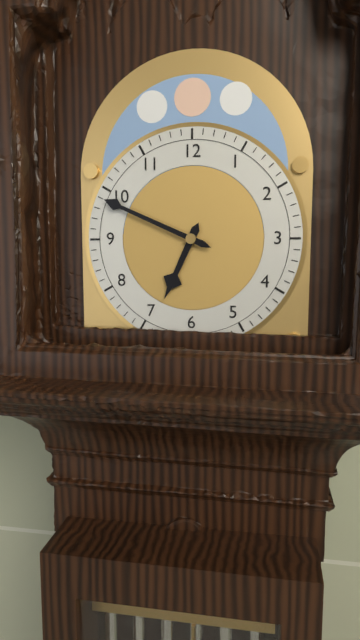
6,49
